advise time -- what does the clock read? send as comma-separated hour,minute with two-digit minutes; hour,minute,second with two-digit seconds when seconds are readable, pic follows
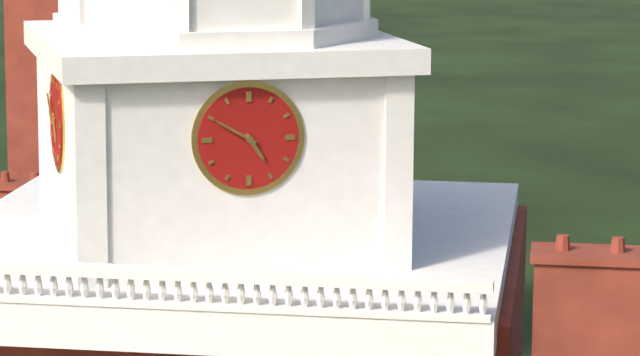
4,50
